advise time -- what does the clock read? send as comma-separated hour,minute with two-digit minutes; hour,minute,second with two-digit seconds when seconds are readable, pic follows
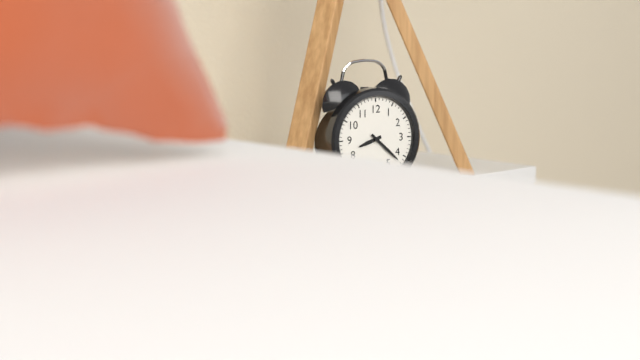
8,22
